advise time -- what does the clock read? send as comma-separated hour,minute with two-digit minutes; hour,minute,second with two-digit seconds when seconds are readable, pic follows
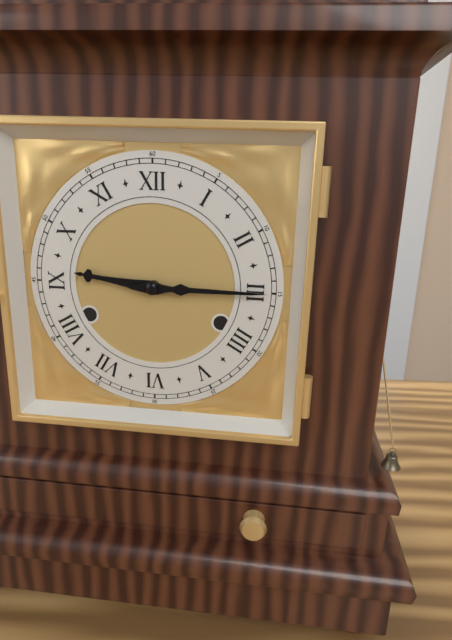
9,15
